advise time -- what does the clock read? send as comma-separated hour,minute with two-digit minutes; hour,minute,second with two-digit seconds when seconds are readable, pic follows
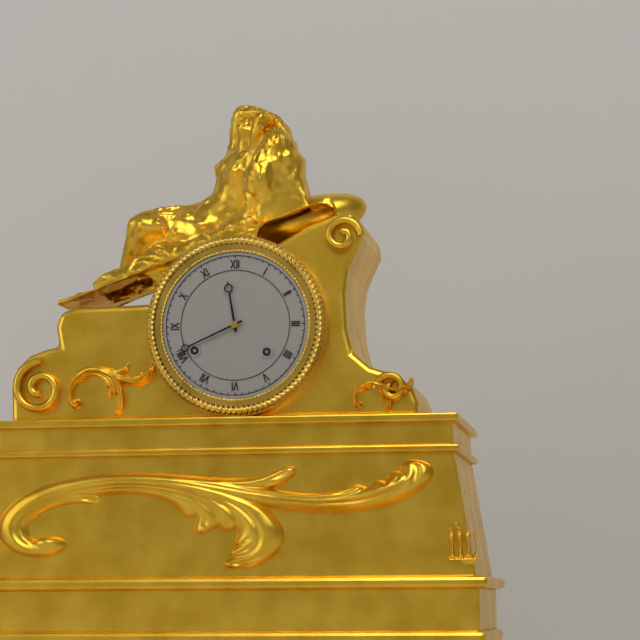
11,41
